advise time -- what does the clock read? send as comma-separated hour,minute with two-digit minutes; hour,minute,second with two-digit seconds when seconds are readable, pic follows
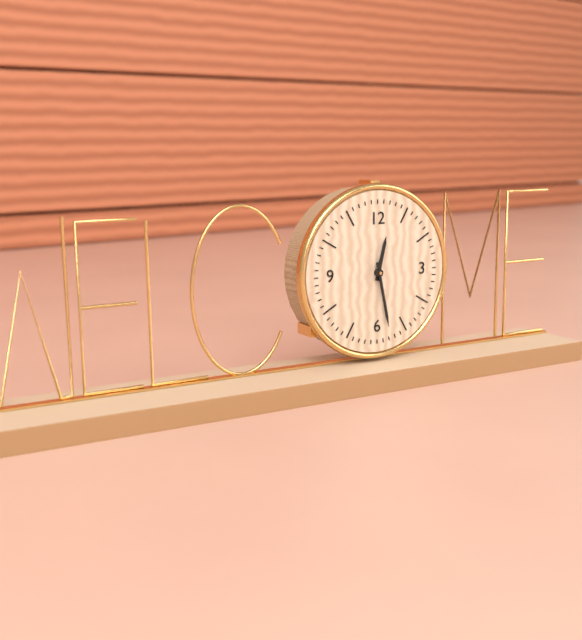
12,28
